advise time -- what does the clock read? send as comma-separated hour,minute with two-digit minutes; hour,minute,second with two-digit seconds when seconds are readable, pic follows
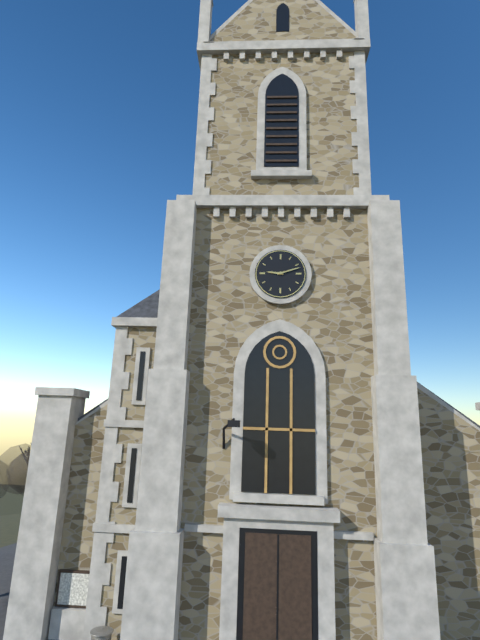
9,12
